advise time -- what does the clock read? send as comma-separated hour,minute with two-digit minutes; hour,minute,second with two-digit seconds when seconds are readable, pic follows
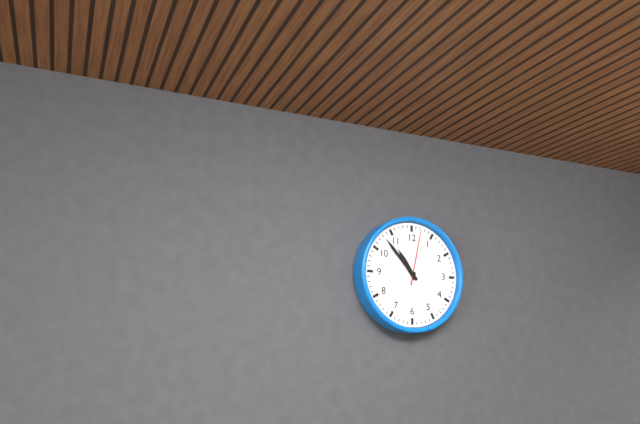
10,53,02
